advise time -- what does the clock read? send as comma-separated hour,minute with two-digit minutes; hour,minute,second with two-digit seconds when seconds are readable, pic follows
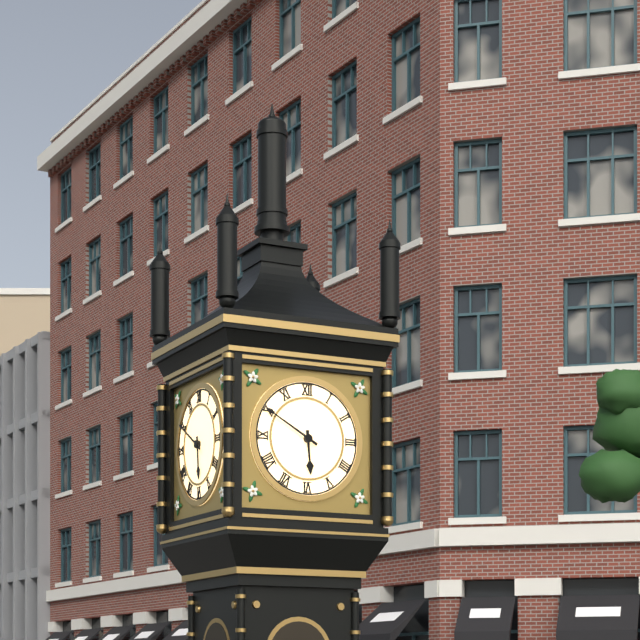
5,50
